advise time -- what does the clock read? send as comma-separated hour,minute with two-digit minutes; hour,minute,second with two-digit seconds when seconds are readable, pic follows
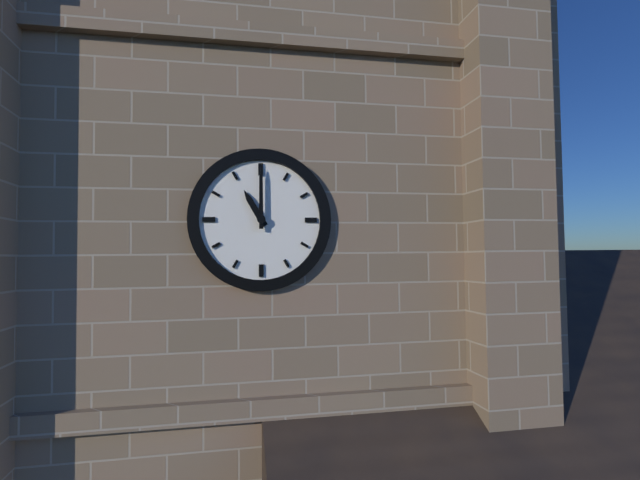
11,00
